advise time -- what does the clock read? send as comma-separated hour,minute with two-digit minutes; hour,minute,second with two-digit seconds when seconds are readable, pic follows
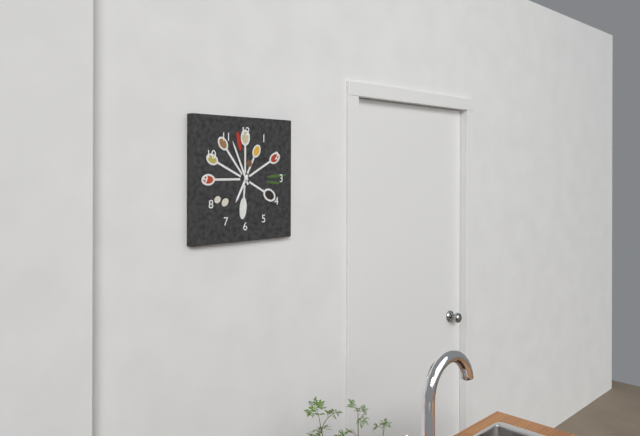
6,56
